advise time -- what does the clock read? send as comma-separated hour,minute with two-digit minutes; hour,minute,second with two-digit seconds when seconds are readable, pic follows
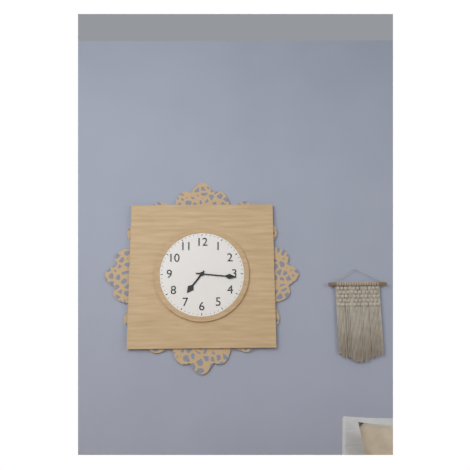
7,16
